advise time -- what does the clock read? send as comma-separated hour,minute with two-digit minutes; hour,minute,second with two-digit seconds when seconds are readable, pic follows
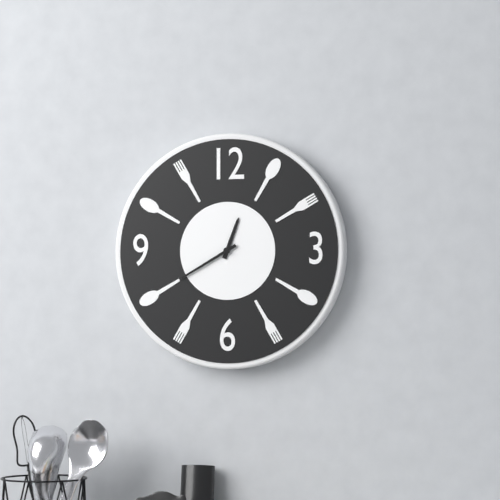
12,40
